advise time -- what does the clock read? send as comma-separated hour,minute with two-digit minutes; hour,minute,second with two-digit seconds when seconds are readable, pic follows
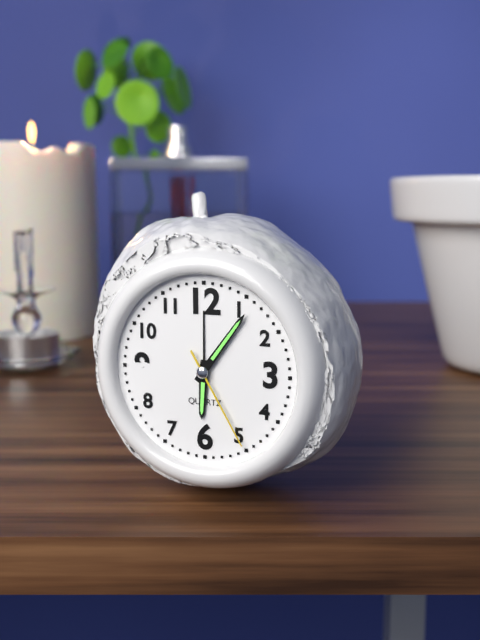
6,06,25
